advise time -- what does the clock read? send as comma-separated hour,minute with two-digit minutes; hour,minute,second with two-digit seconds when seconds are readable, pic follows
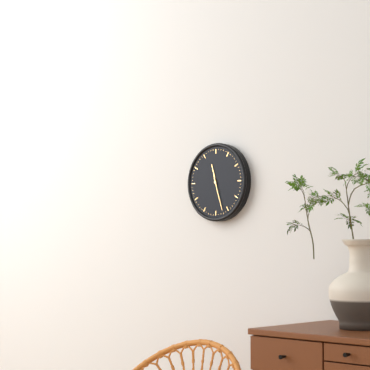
11,27
